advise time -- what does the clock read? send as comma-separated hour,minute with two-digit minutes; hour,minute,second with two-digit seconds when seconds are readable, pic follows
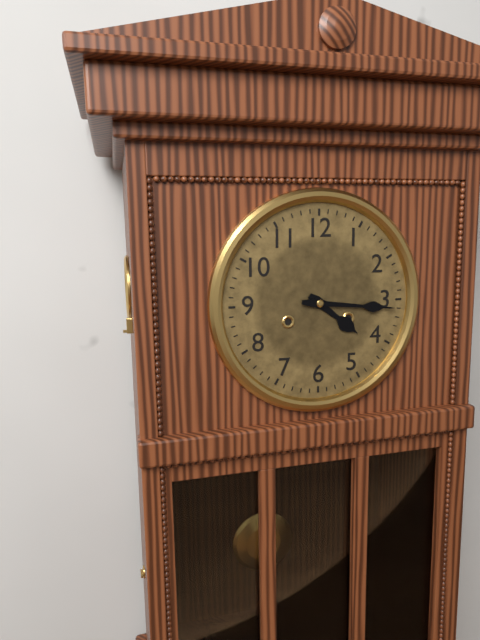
4,16
